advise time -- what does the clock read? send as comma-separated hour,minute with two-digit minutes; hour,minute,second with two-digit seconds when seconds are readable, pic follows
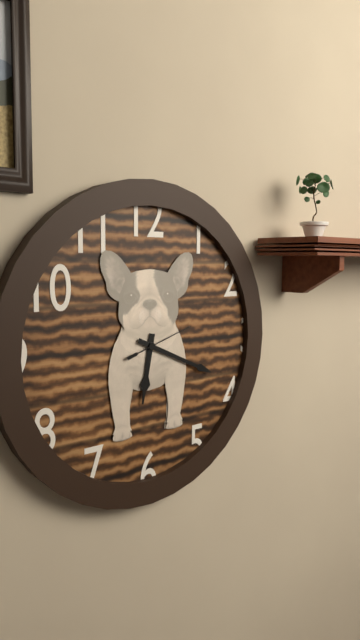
6,19,12
